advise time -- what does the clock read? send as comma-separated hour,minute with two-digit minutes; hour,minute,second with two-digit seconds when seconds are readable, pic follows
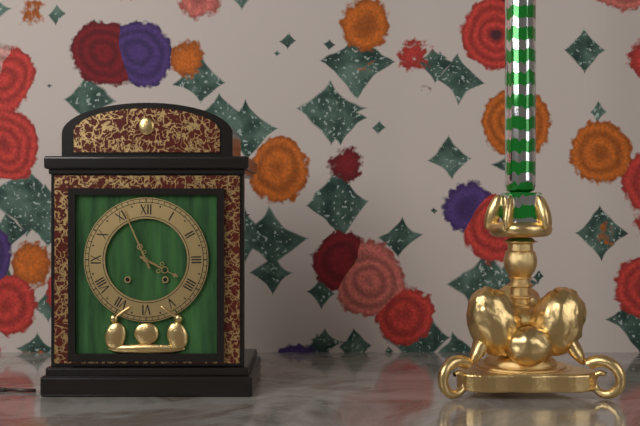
3,56
